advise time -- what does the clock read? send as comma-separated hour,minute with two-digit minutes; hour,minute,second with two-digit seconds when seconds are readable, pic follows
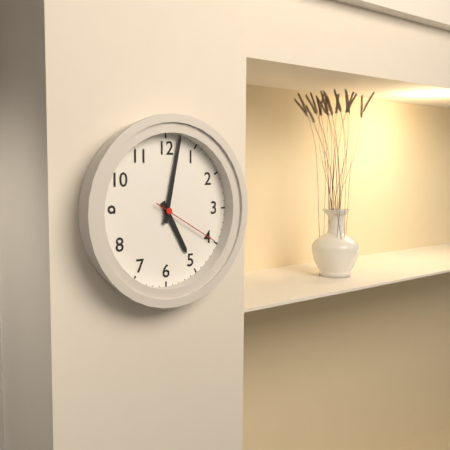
5,02,20
